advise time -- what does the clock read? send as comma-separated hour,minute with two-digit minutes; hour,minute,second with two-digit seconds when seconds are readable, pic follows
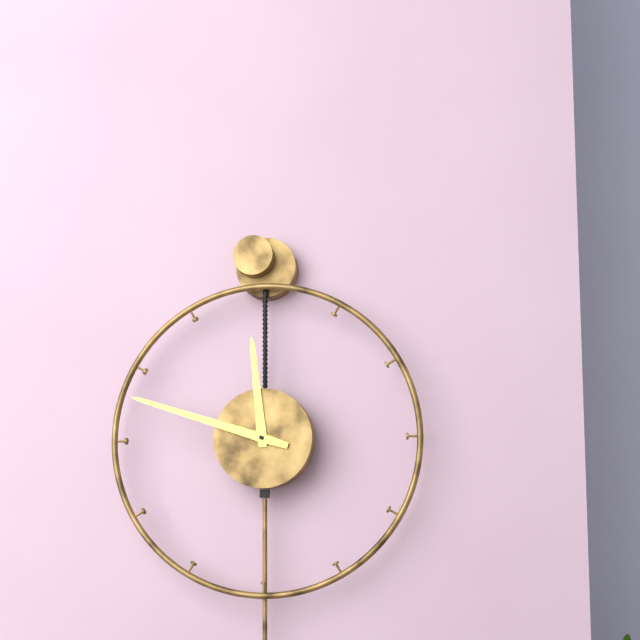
11,48
